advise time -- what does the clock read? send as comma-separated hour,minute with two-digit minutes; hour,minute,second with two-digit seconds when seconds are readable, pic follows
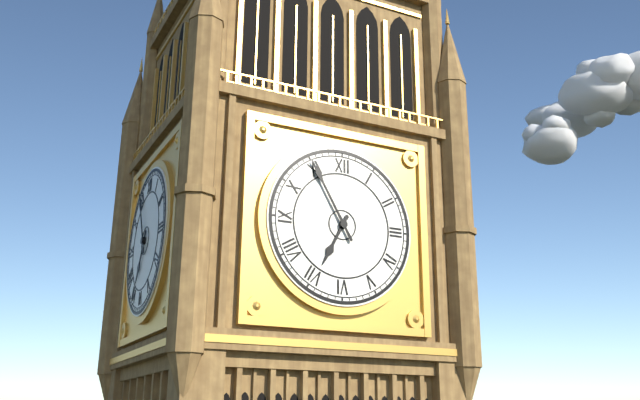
6,55
